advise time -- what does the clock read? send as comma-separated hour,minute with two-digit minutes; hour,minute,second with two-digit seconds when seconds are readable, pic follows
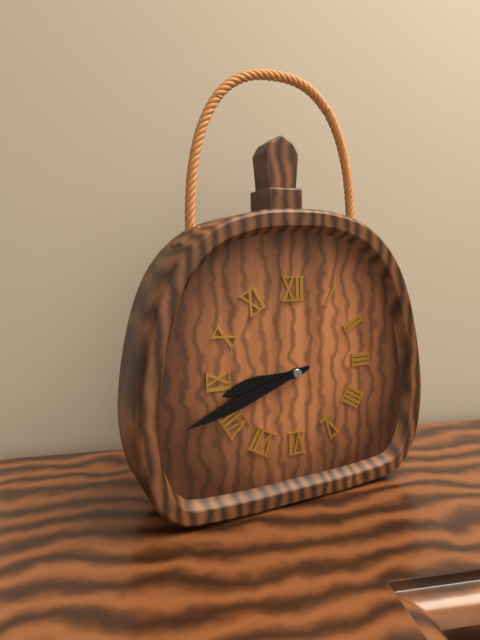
8,42
